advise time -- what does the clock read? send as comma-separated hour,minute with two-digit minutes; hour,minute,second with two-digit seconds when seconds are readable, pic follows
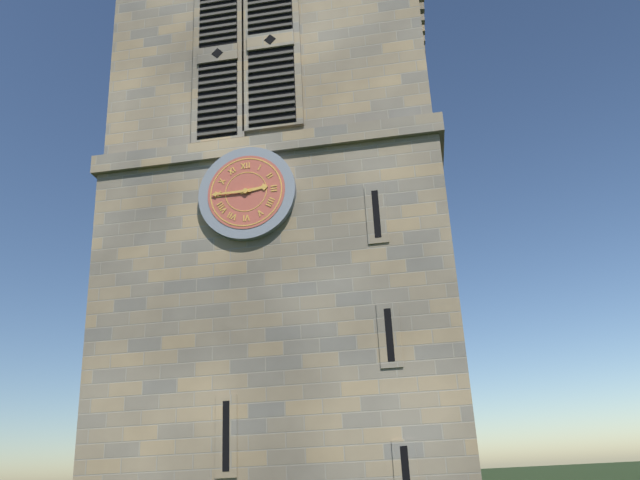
2,45
